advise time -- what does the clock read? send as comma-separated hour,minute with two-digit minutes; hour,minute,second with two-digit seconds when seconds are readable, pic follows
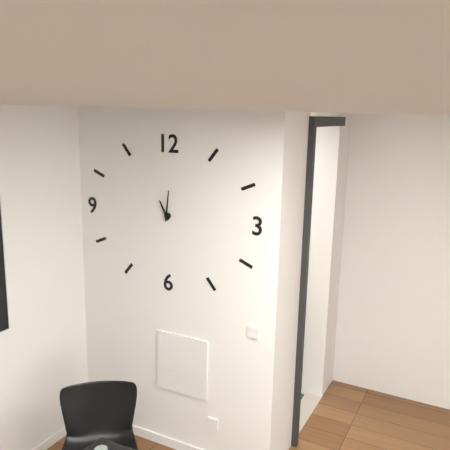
11,01
